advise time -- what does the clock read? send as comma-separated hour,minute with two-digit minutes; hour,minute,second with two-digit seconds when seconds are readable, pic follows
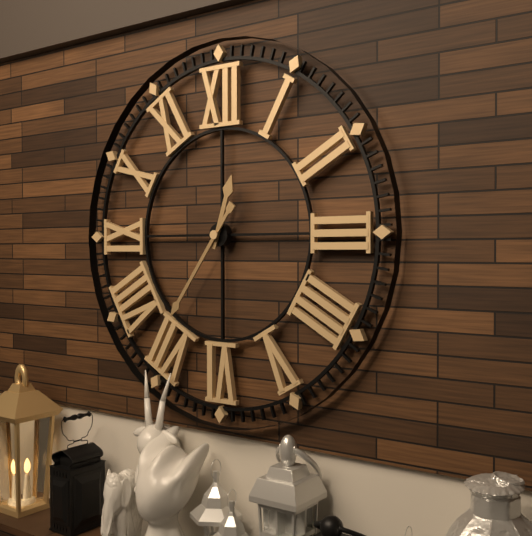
12,36
